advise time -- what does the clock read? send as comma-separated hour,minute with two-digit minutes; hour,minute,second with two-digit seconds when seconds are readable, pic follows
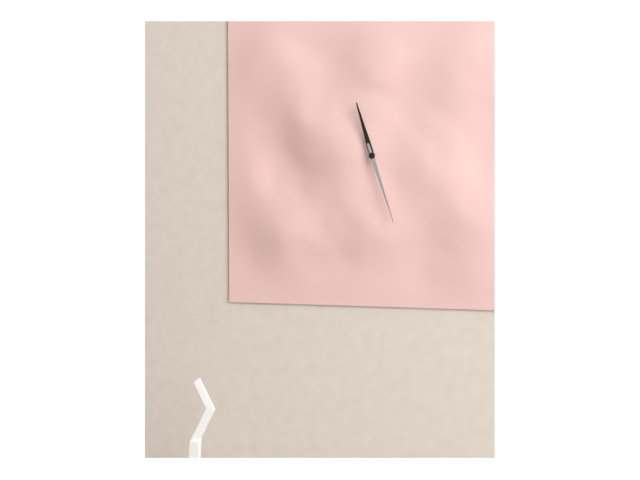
11,27
